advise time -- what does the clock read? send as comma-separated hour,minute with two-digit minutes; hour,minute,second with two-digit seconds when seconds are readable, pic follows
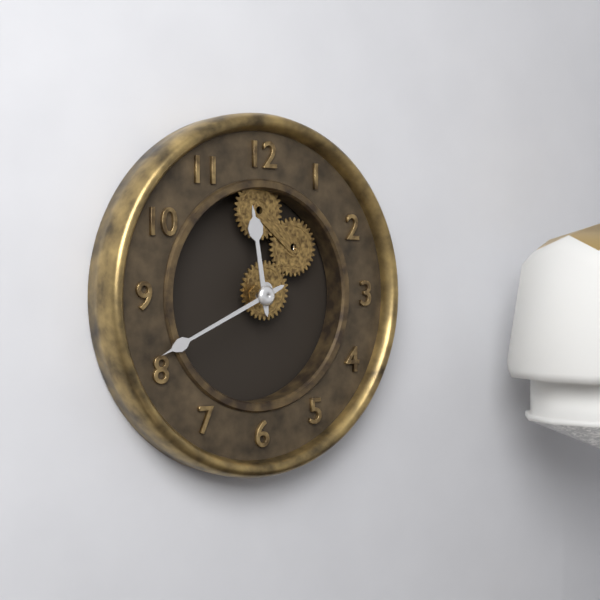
11,41
